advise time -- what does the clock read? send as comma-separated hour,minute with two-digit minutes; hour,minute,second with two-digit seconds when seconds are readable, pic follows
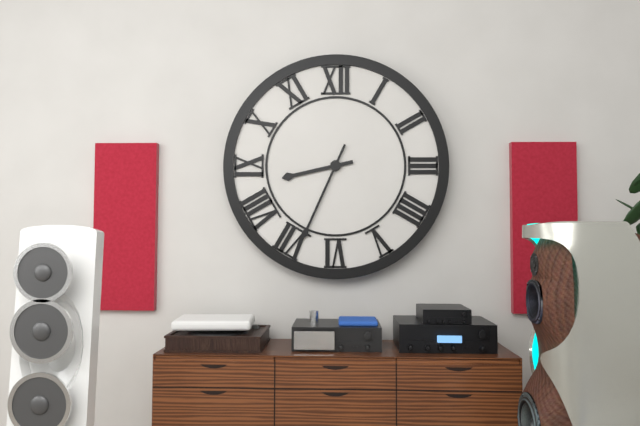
8,34
